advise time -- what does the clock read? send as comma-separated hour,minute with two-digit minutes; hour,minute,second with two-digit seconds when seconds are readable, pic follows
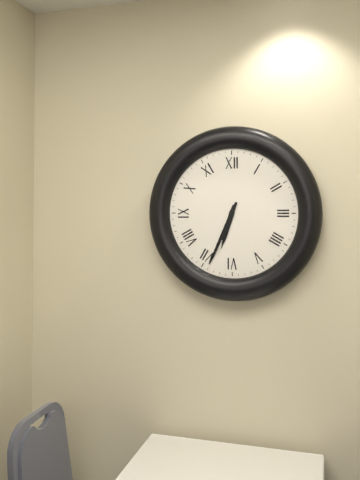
6,34
